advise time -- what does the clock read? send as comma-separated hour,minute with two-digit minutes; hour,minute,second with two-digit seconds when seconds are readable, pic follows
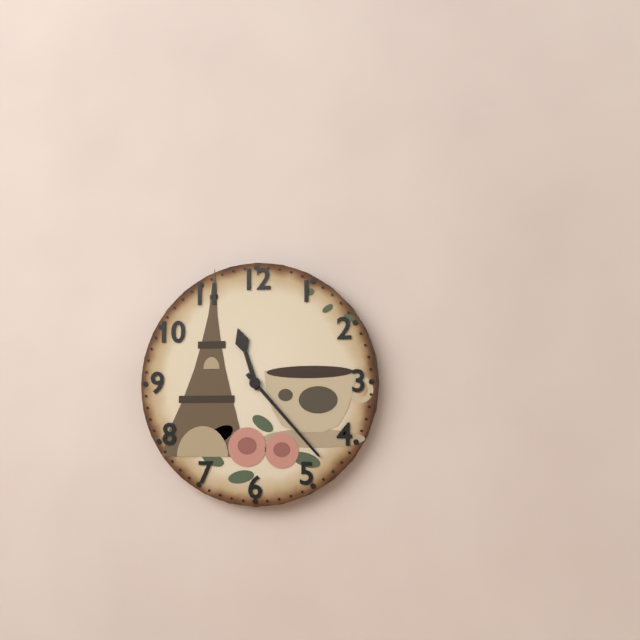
11,23
